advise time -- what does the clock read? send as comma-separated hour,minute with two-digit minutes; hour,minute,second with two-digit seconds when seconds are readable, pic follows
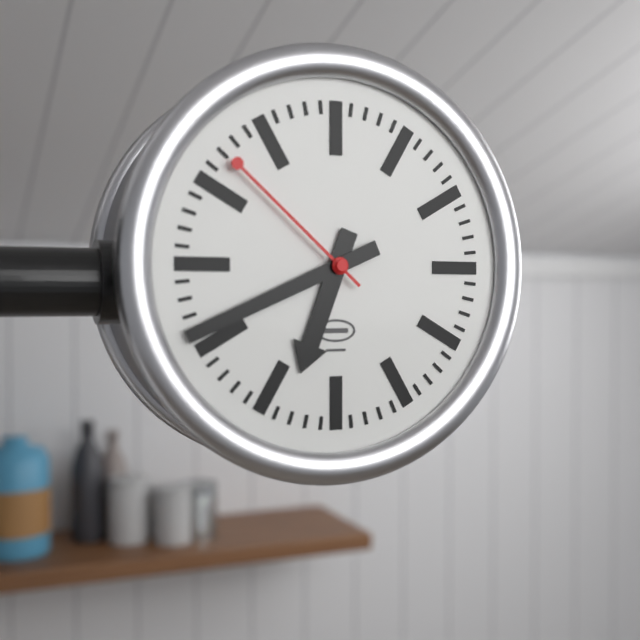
6,41,52
